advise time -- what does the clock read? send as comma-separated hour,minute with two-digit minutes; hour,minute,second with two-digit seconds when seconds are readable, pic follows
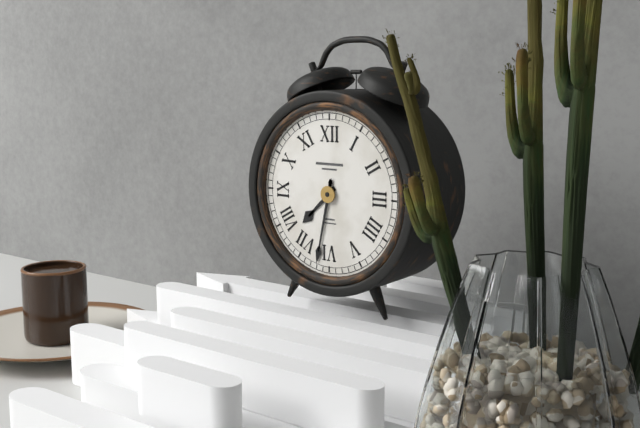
7,32
